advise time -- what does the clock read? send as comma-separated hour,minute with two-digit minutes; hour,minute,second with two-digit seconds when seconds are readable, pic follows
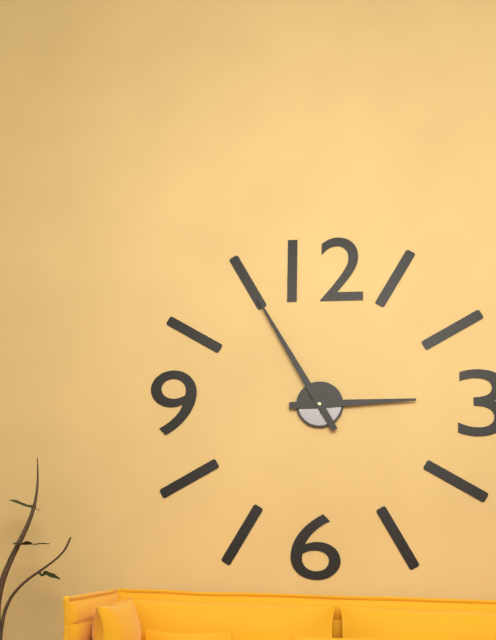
2,55
